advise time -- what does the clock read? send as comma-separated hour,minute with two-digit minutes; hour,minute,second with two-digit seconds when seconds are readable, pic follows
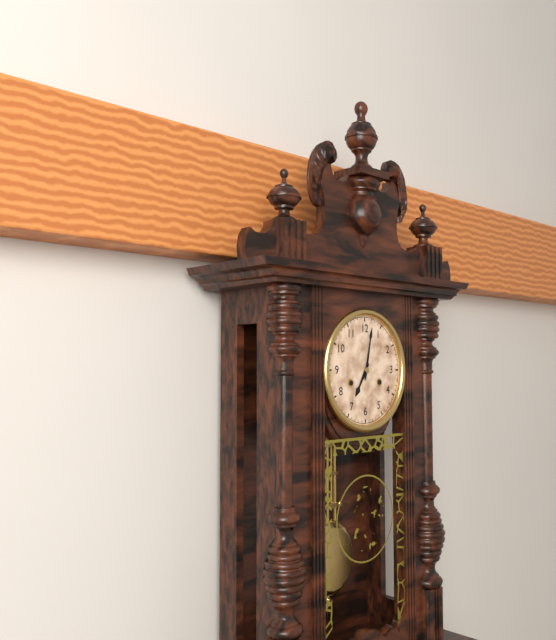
7,02
